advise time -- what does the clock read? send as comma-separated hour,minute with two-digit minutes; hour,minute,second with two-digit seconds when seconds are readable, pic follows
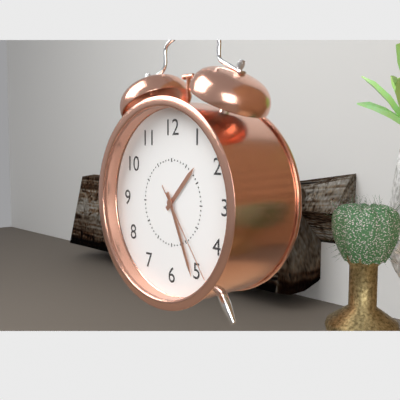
1,26,24
